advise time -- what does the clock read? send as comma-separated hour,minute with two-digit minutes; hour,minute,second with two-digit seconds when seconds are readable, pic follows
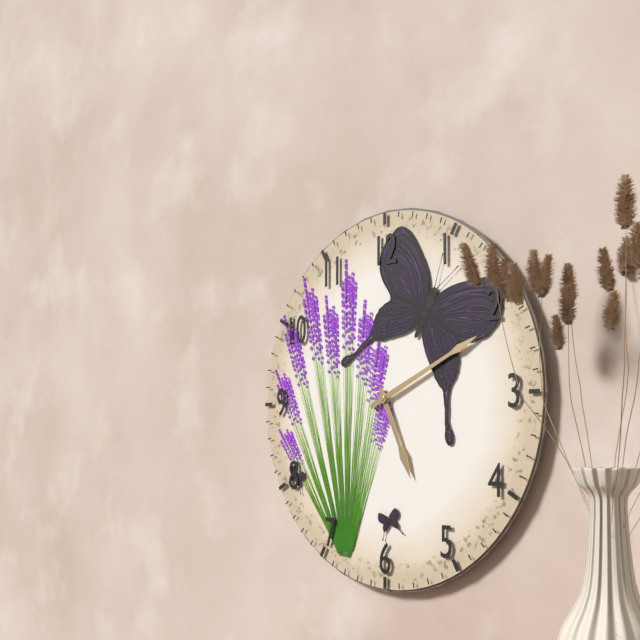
5,11
